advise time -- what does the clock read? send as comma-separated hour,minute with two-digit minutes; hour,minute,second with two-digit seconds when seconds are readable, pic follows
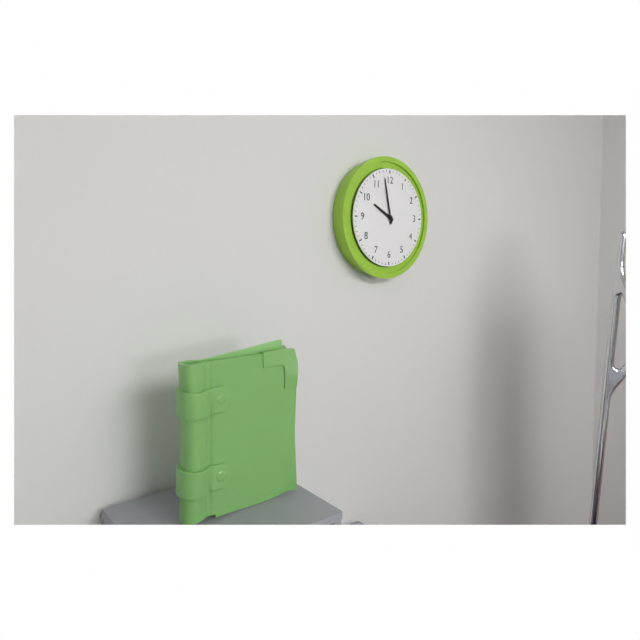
9,58
